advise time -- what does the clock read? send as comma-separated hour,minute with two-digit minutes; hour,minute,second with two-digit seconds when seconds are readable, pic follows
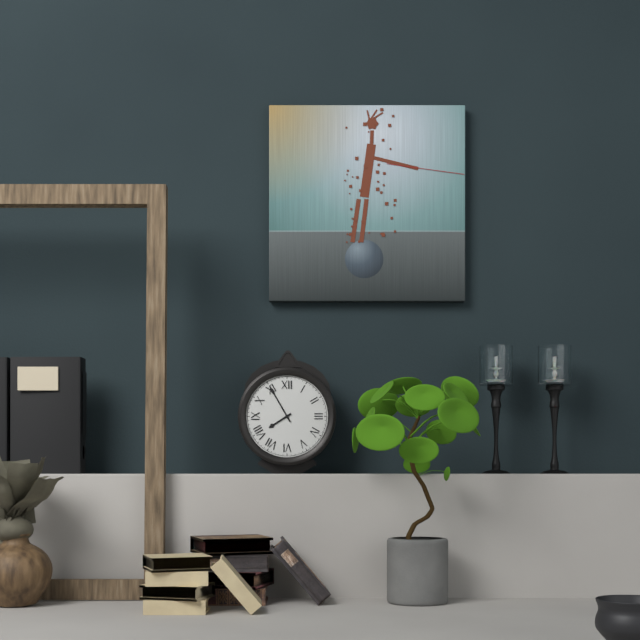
7,55
